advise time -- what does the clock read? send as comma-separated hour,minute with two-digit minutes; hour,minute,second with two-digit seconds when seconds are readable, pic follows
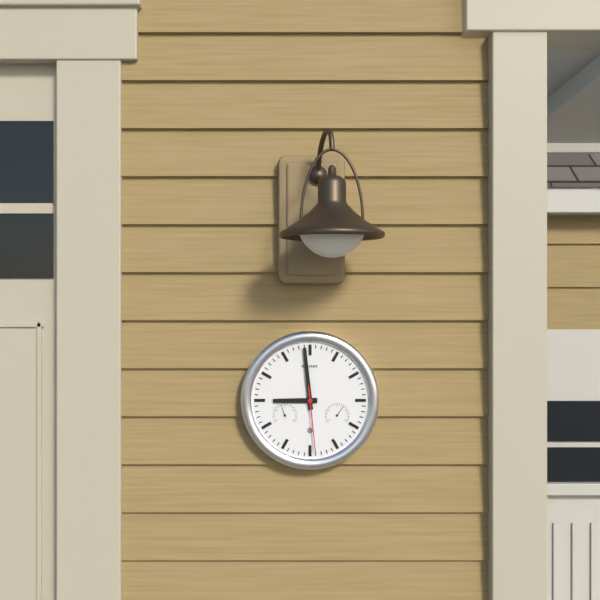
8,59,29
